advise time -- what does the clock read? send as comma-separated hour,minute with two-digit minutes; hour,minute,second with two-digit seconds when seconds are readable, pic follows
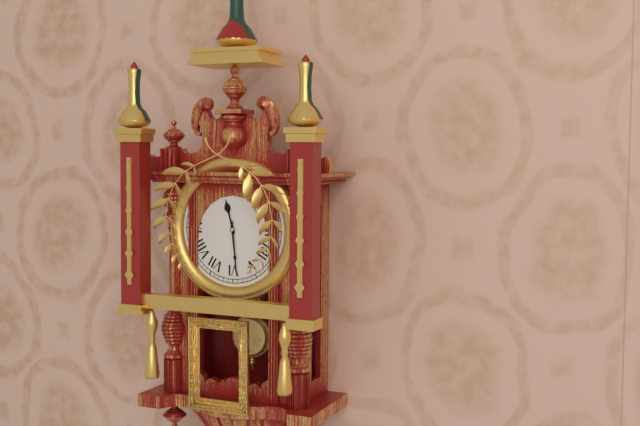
11,29
